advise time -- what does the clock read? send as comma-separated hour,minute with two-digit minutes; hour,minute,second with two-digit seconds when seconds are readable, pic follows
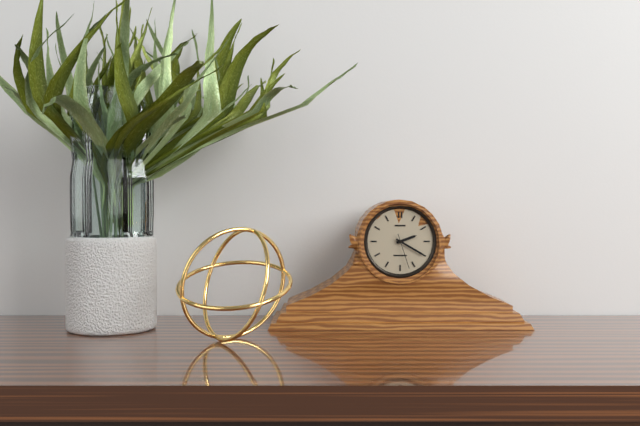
2,20
